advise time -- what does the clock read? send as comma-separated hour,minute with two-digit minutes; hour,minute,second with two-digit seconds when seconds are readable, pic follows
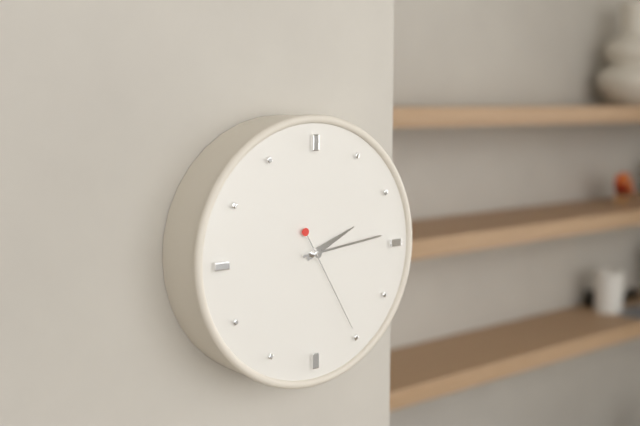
2,14,25
